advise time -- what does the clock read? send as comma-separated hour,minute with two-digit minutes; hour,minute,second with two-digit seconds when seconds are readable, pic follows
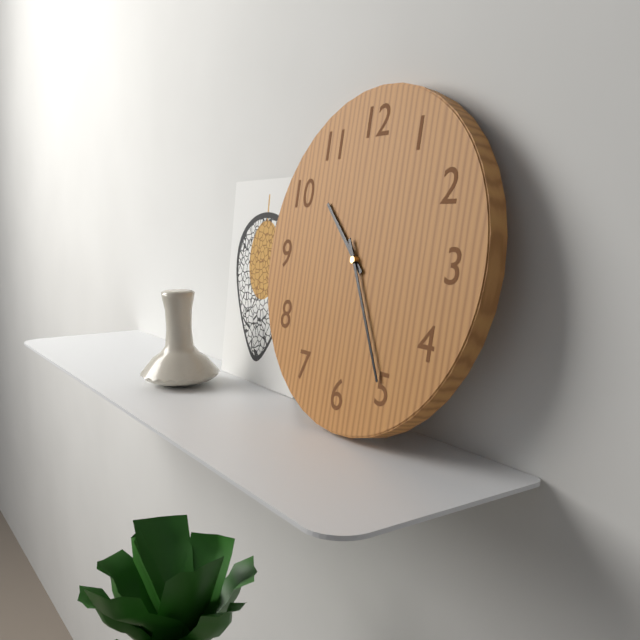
10,25
